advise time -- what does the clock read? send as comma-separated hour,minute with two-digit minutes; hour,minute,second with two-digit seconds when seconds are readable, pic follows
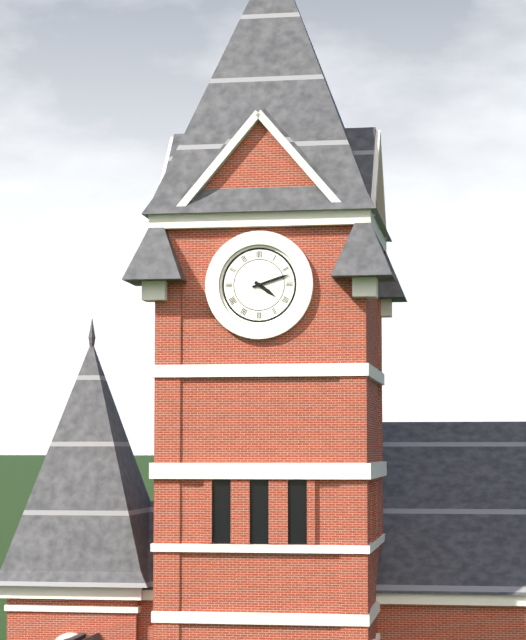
4,12
